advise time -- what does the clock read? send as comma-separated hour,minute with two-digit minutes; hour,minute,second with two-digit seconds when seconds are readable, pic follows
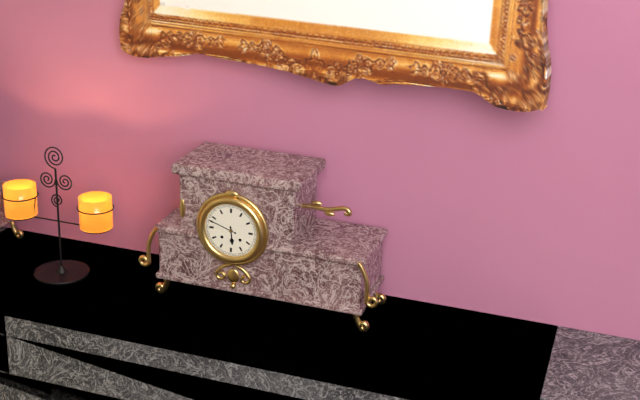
5,48
